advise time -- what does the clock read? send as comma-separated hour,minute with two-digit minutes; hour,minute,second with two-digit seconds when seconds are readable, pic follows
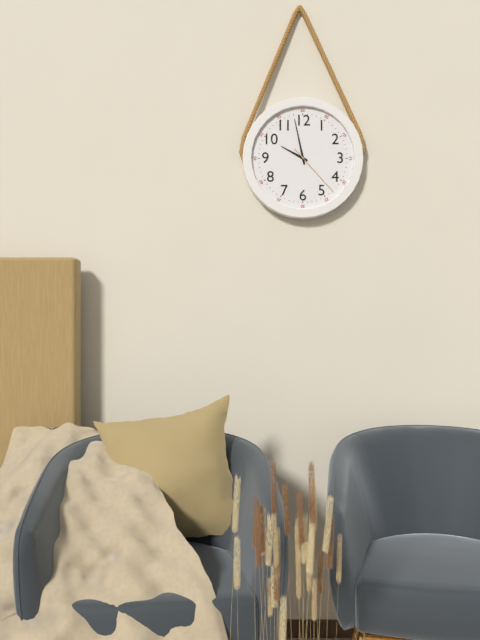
9,58,23
